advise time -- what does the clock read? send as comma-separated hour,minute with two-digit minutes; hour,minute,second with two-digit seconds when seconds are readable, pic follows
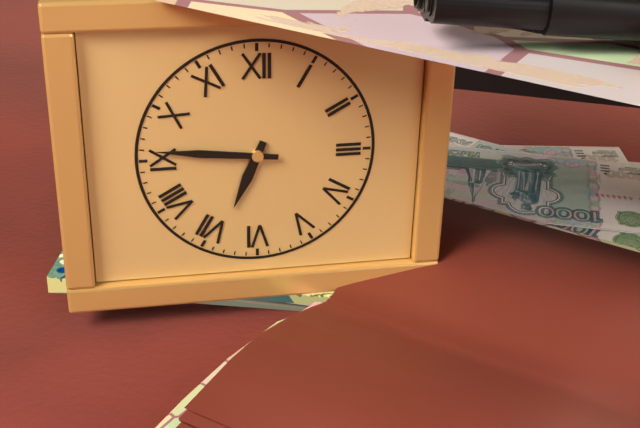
6,46
